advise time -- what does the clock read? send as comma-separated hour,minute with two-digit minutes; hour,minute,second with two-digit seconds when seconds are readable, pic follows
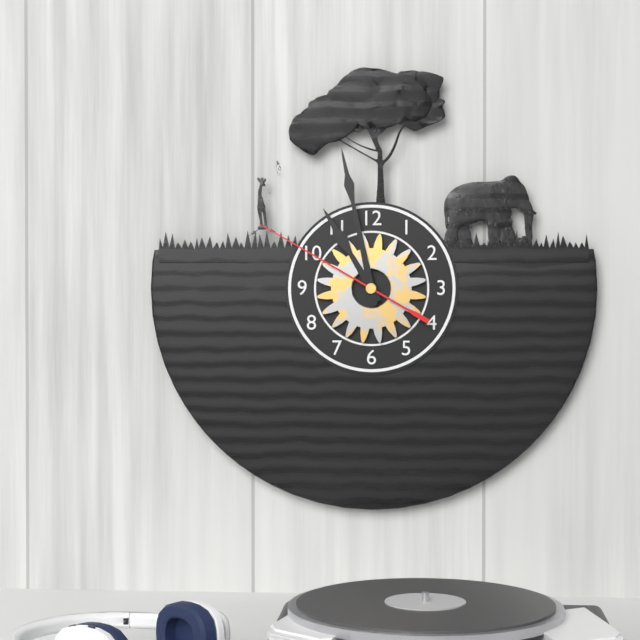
10,58,50
